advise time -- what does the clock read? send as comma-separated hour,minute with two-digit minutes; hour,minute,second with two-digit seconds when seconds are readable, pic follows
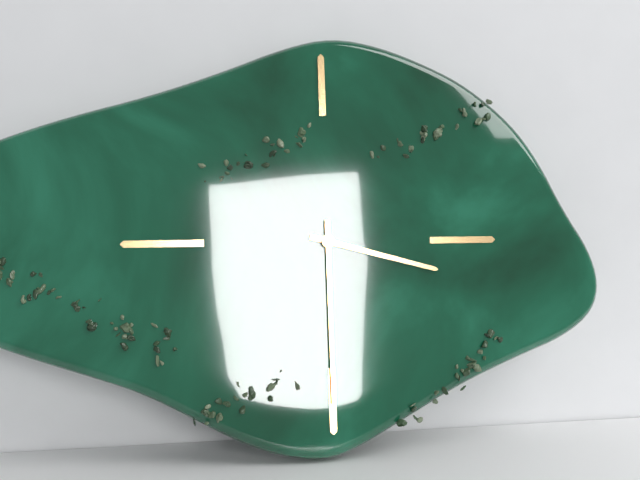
3,30
